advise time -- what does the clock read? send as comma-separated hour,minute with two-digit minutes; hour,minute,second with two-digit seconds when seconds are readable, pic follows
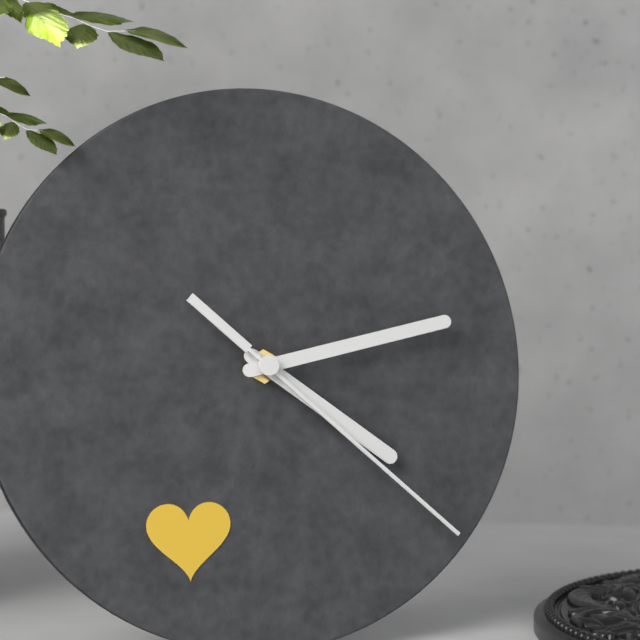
4,13,22
